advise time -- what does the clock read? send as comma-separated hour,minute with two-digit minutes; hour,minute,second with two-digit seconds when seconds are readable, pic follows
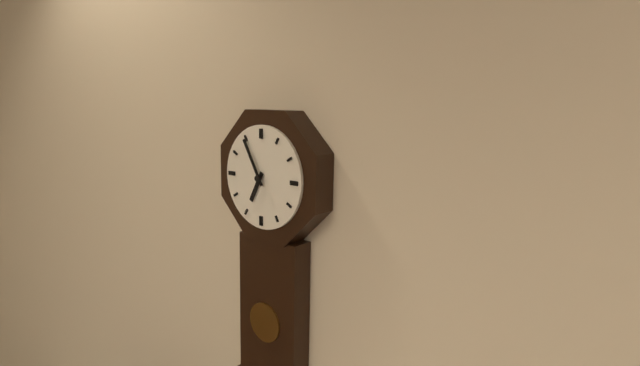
6,55
